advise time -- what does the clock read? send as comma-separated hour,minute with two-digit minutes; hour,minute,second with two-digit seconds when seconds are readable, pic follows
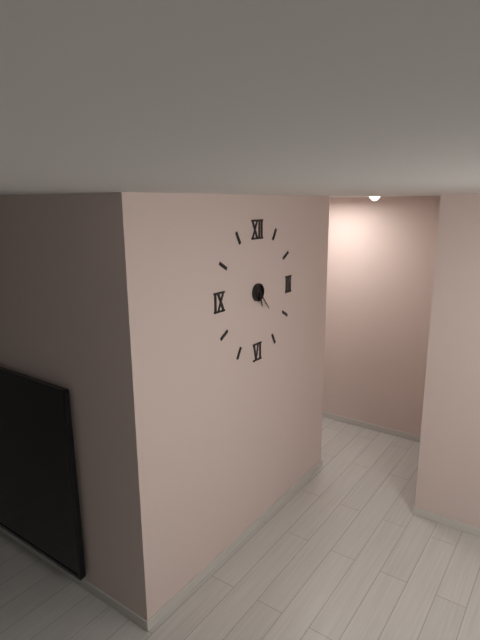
5,23
